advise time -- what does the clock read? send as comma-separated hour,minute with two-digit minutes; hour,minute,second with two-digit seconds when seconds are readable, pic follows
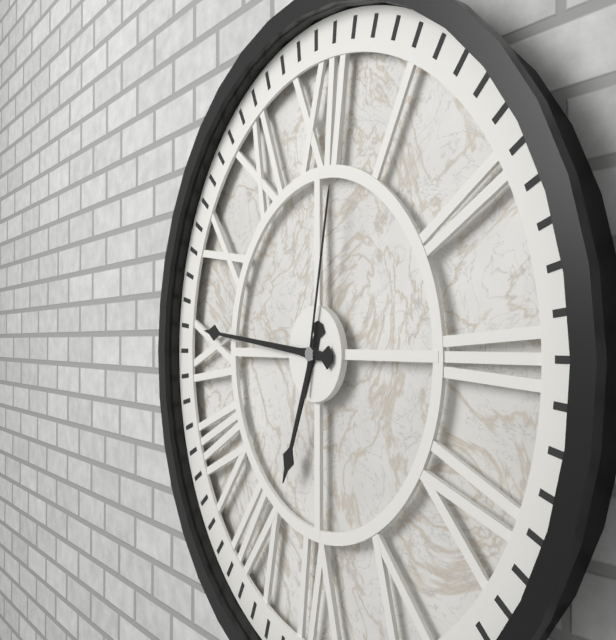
6,46,02
